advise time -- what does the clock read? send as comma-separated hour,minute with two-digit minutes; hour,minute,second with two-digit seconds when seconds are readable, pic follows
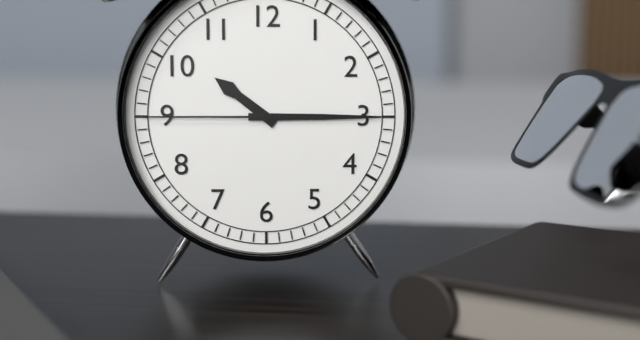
10,15,45
